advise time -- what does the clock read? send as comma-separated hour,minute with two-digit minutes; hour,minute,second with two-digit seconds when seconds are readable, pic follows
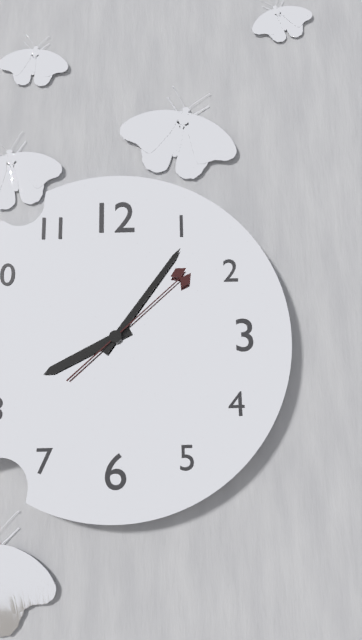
8,06,08
